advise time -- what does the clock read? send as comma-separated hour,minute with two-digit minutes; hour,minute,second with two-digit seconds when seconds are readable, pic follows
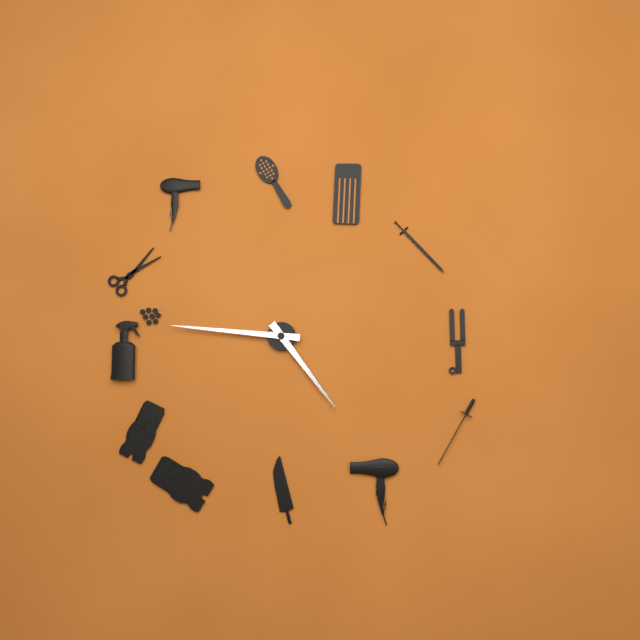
4,46
